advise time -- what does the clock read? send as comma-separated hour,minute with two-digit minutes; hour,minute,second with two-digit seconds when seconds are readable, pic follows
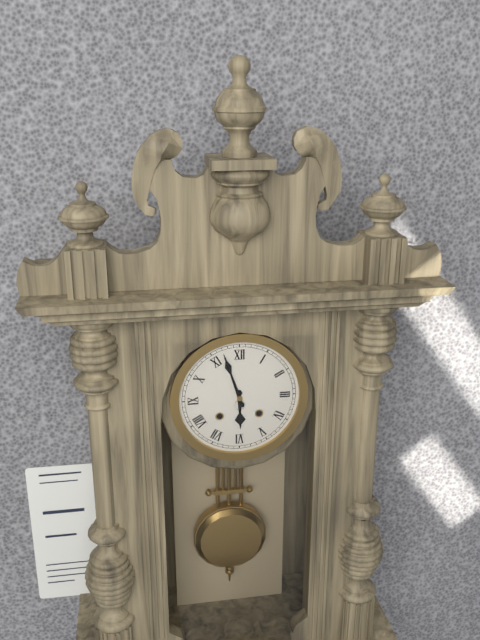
5,57
